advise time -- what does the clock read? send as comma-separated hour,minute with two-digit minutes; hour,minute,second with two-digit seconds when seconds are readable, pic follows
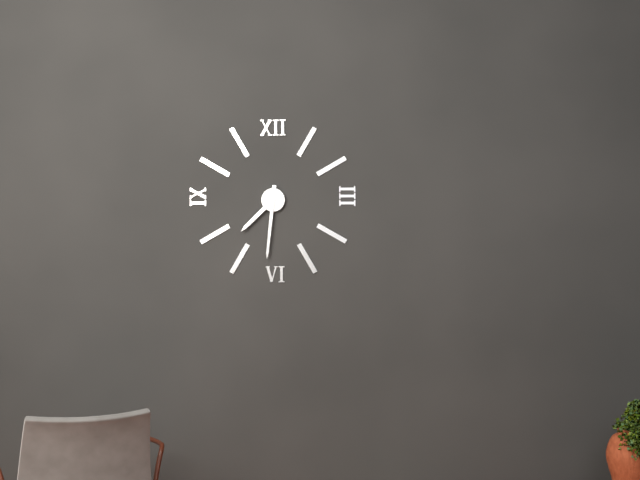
7,31
